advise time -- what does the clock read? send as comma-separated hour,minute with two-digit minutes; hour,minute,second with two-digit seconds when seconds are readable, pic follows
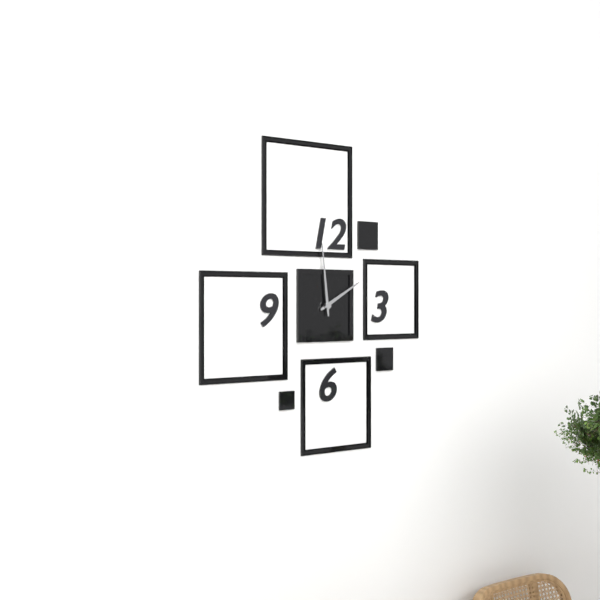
1,59
